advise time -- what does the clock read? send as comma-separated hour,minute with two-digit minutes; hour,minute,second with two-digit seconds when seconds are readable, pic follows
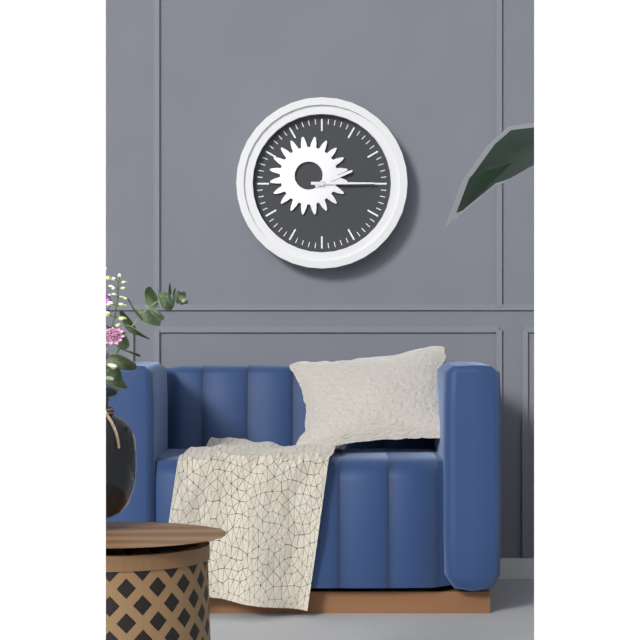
2,15
